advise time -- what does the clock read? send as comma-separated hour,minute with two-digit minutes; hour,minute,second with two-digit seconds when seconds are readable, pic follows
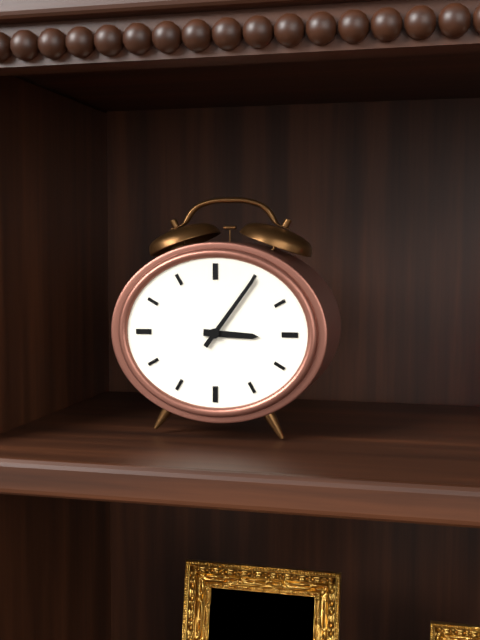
3,06
